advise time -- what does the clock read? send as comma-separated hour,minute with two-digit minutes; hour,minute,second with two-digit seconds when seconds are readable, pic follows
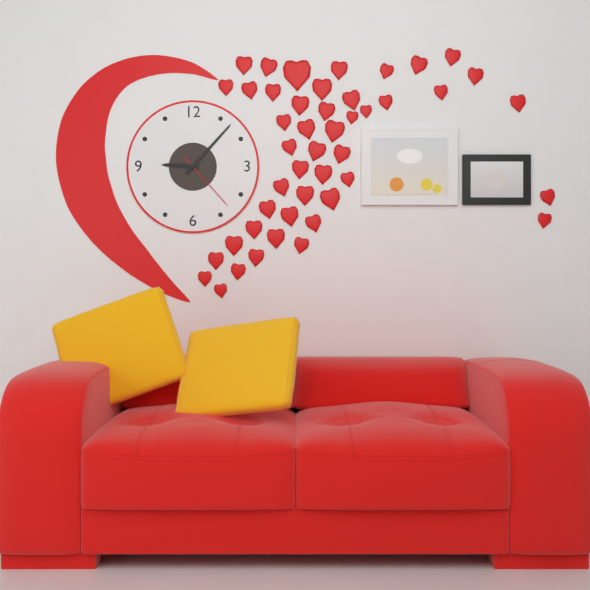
9,07,23
